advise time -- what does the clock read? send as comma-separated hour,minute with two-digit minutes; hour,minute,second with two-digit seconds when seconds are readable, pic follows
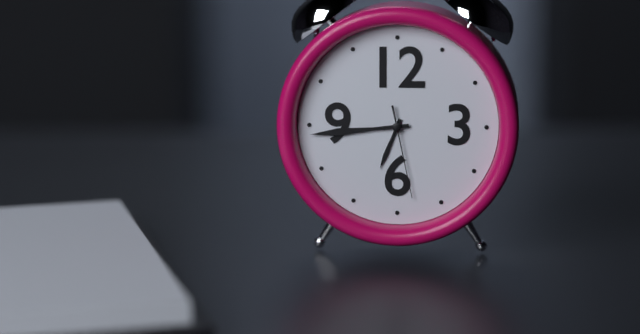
6,44,28
